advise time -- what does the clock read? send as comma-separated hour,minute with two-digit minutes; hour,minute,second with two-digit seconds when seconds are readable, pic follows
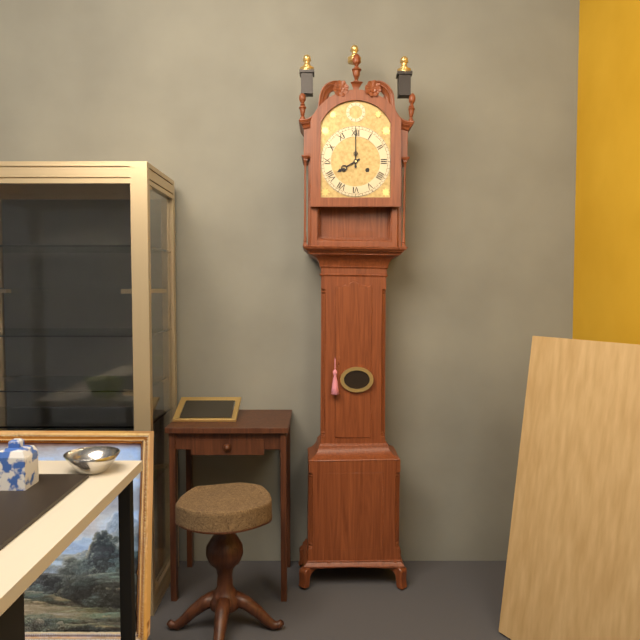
8,00
